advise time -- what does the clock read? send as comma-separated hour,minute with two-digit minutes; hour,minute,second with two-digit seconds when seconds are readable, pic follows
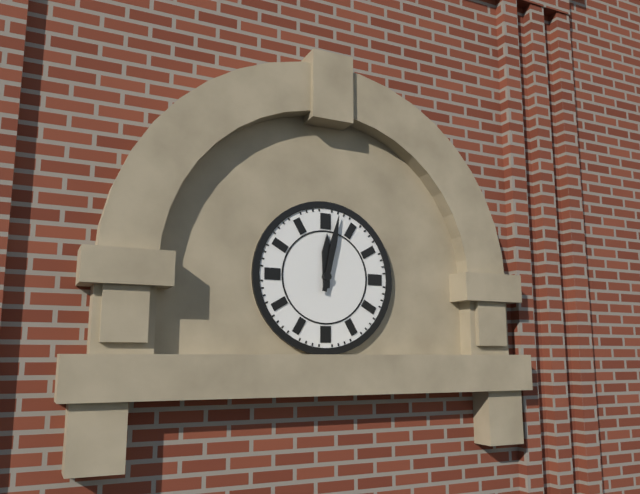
12,02
